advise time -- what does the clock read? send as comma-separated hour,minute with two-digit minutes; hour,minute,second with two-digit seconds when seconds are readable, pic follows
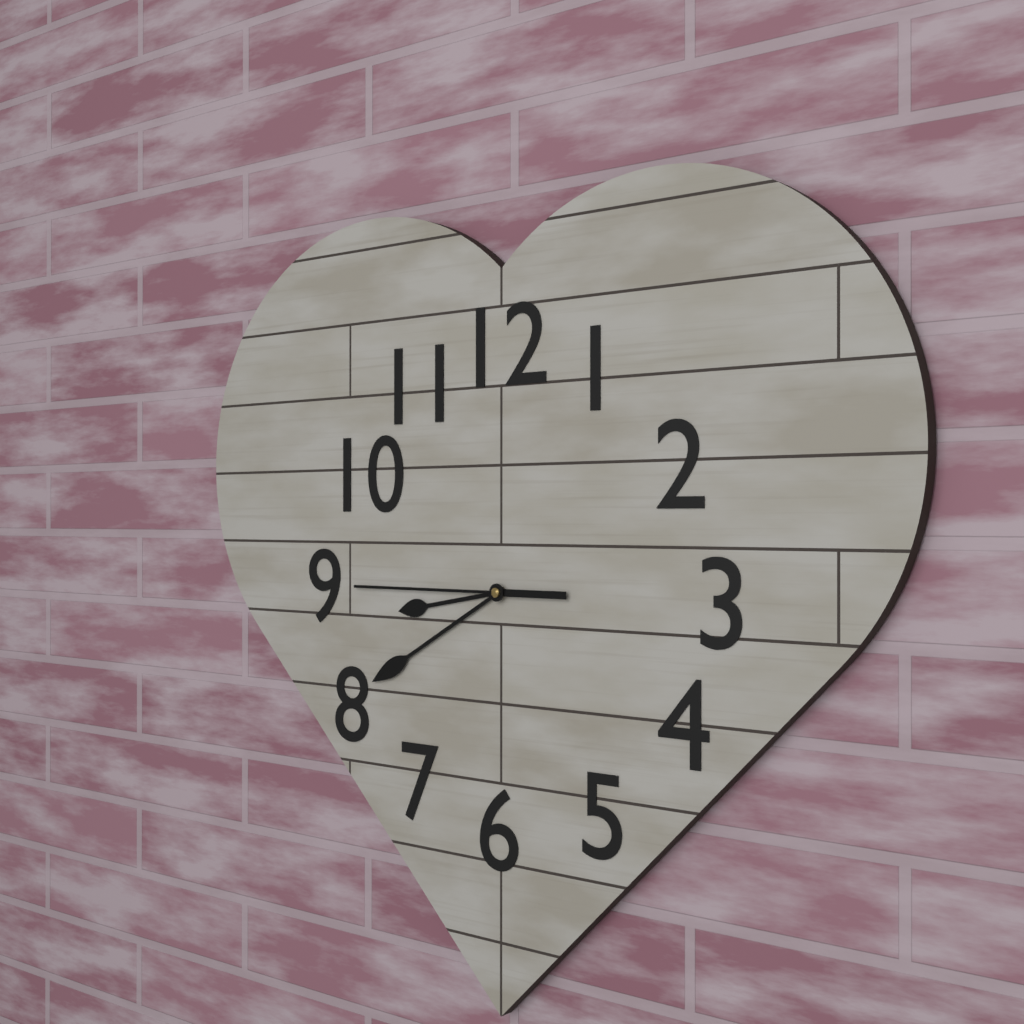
8,40,45
